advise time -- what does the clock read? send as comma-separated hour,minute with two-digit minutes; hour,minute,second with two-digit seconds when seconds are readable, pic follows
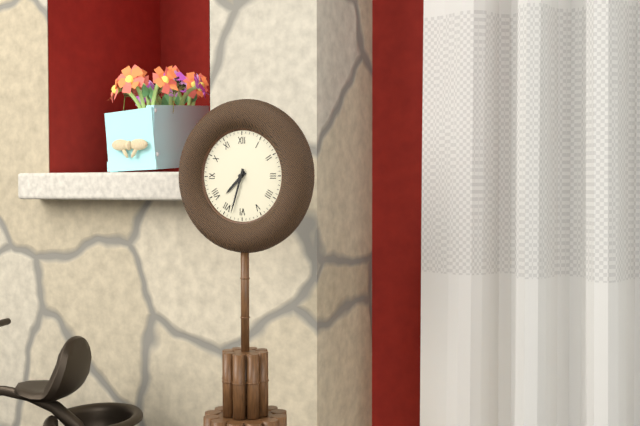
7,33
